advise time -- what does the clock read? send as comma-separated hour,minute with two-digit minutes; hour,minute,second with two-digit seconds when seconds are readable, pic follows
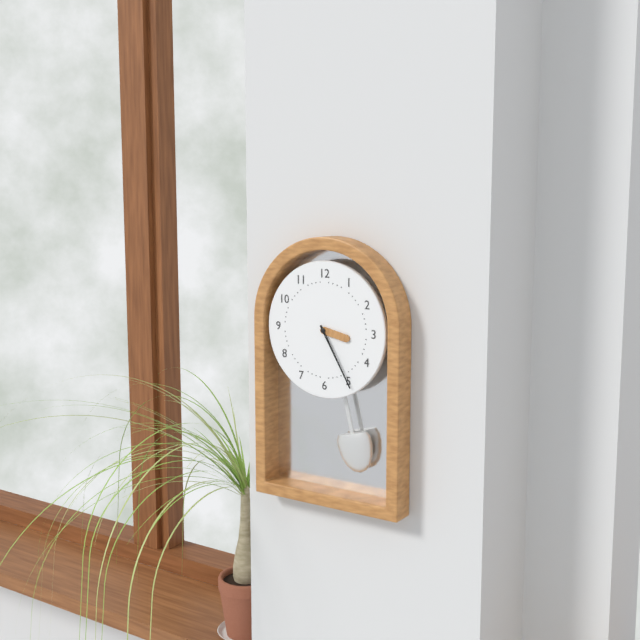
3,25
